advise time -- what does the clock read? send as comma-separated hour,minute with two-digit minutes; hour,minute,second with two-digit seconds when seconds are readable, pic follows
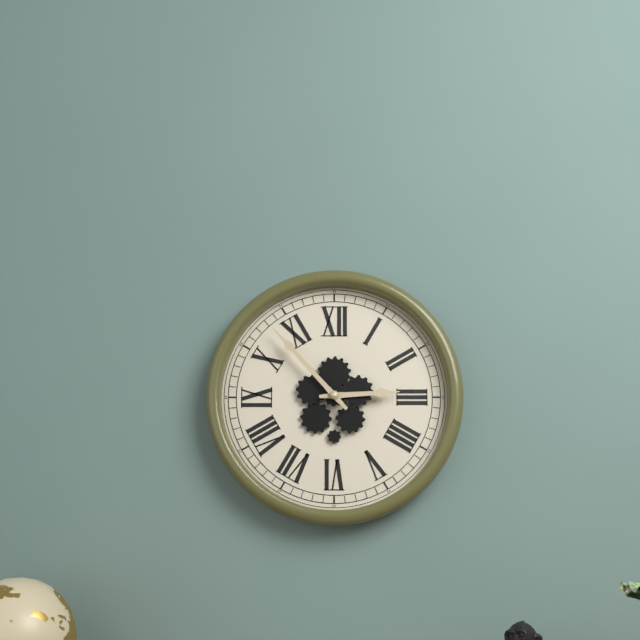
2,53
